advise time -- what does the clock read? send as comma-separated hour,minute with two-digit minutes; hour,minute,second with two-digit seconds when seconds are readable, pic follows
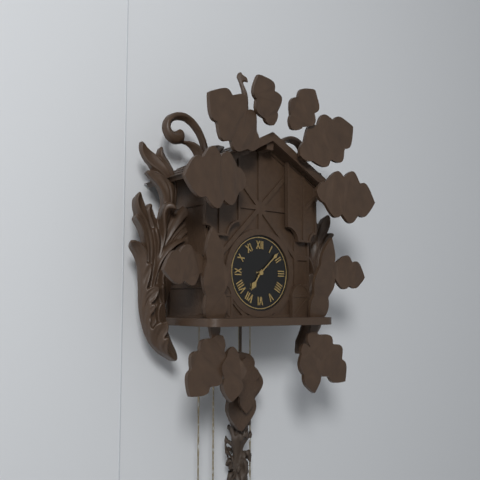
7,08
